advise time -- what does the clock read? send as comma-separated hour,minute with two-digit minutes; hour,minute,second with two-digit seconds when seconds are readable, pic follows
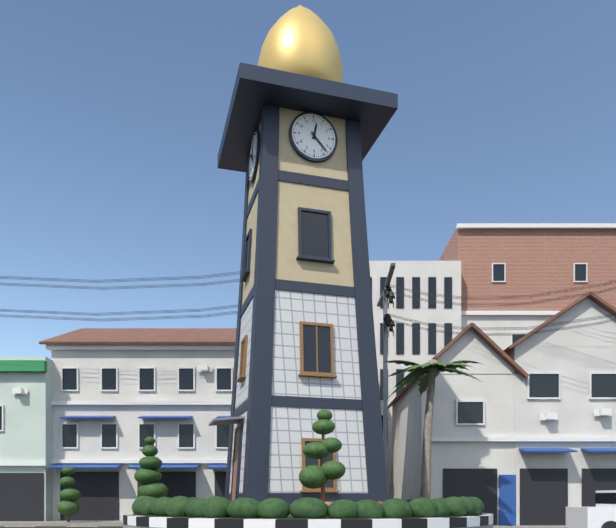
12,23
